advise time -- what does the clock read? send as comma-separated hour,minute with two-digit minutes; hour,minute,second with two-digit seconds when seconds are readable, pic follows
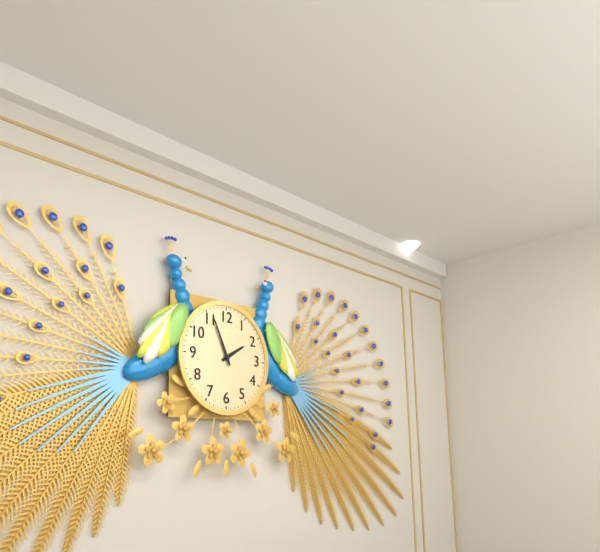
1,56
